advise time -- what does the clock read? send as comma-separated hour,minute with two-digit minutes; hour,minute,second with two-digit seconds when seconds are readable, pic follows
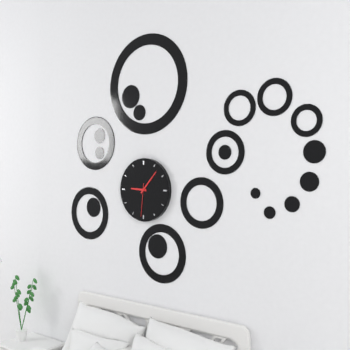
9,07
